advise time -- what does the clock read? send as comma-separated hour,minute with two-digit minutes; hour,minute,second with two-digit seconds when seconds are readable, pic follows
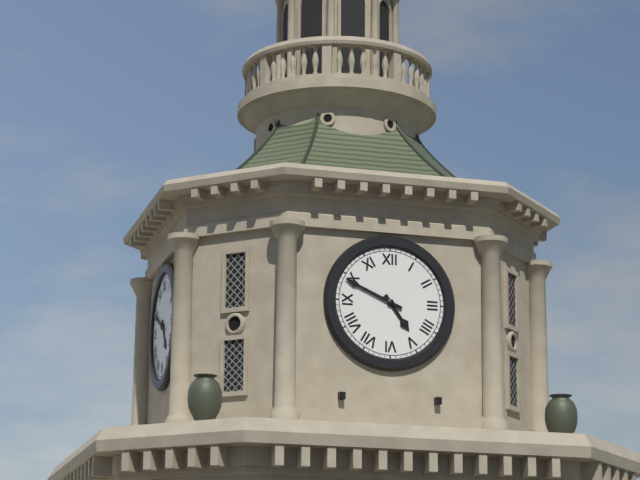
4,49
